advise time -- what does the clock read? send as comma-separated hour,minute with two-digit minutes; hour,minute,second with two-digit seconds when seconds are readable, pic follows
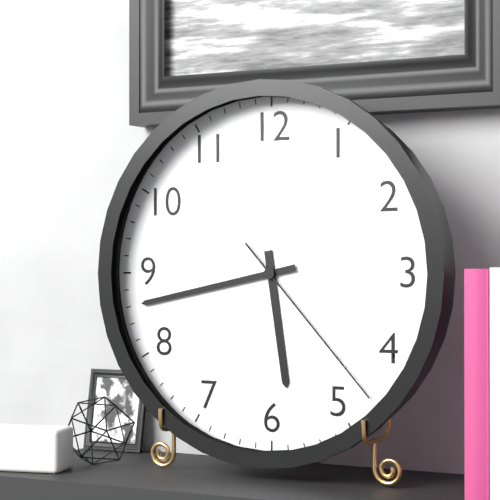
5,43,23
